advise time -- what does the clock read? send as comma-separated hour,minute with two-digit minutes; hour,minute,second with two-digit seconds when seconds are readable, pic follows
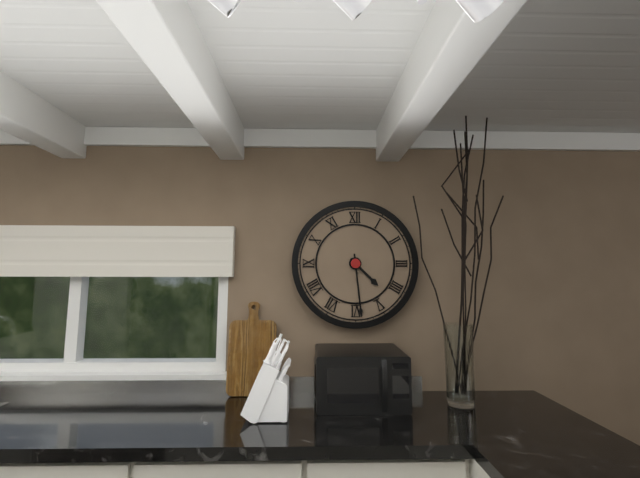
4,29
